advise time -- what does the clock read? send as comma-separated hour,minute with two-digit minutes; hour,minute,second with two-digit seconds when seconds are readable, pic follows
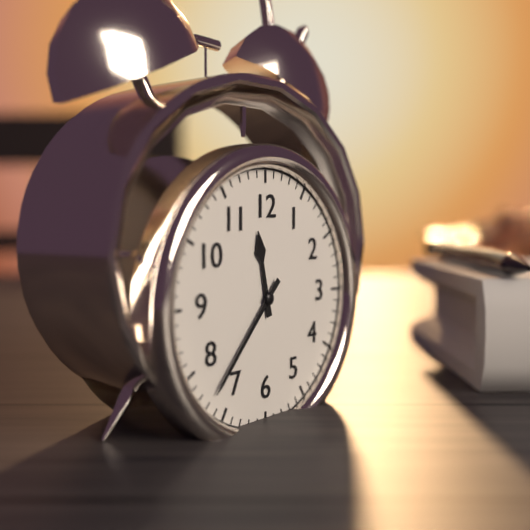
11,37
